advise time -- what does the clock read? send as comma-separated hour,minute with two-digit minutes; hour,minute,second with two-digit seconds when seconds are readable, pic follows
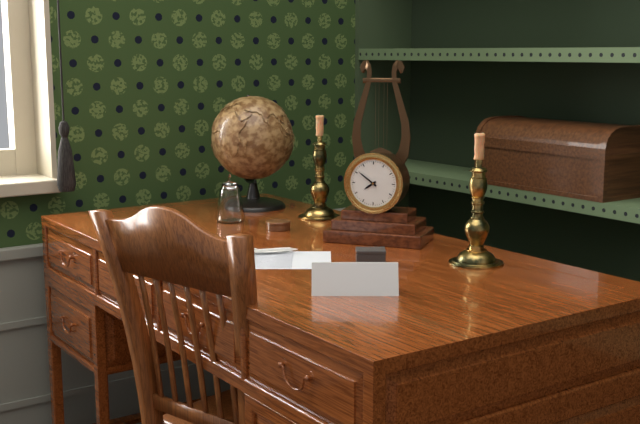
7,51
